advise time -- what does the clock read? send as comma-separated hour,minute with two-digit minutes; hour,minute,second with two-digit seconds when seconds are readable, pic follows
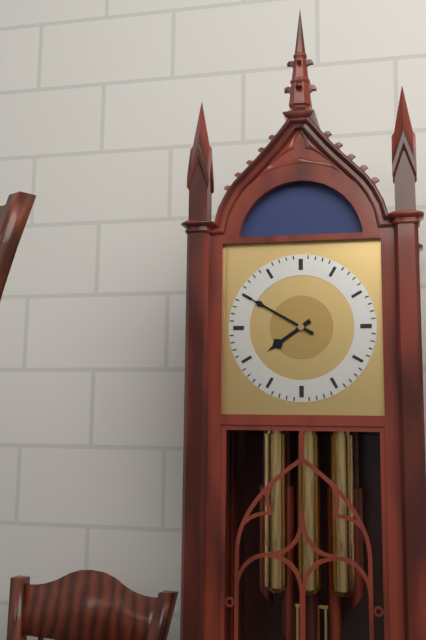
7,50
